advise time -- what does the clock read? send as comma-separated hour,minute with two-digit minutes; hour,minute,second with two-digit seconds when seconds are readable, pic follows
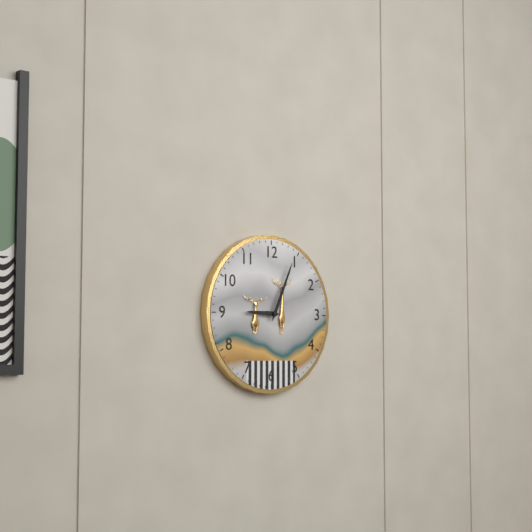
9,04
